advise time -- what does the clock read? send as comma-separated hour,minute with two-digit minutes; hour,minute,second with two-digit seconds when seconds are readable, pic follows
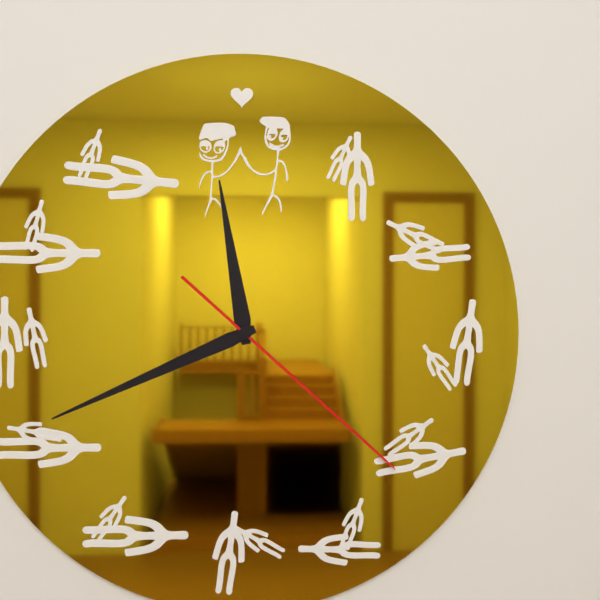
11,41,22
